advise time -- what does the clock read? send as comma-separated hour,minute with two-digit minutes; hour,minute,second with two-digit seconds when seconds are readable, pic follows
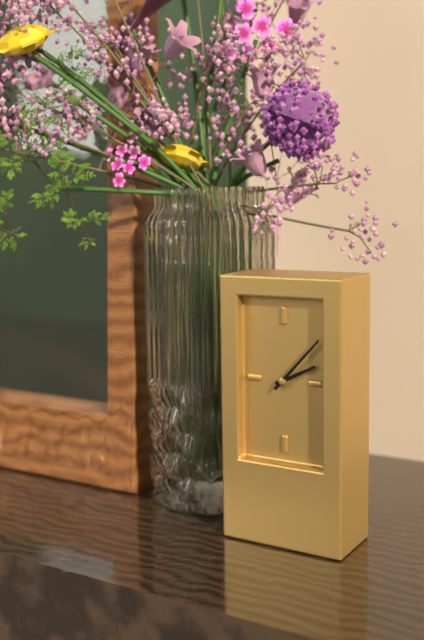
2,07
